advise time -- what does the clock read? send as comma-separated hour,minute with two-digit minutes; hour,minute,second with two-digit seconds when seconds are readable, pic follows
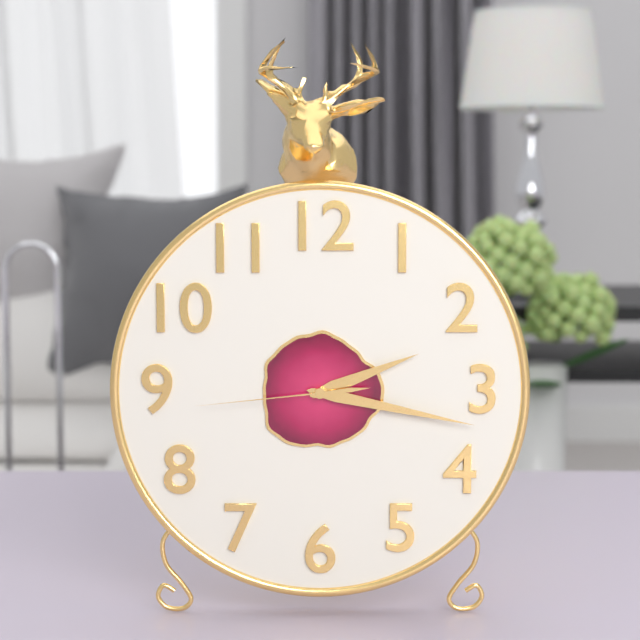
2,17,44
